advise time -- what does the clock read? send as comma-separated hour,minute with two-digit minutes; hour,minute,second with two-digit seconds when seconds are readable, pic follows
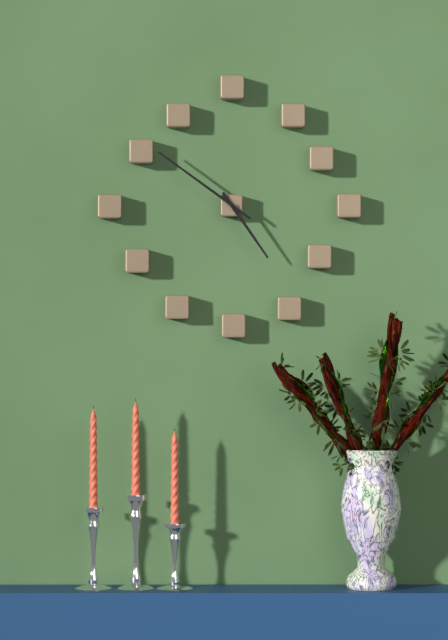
4,51
